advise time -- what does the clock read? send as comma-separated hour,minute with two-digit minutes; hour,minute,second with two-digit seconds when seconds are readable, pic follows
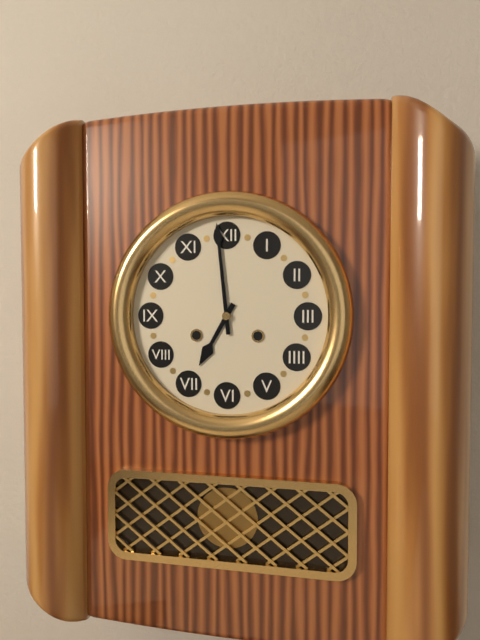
6,59
